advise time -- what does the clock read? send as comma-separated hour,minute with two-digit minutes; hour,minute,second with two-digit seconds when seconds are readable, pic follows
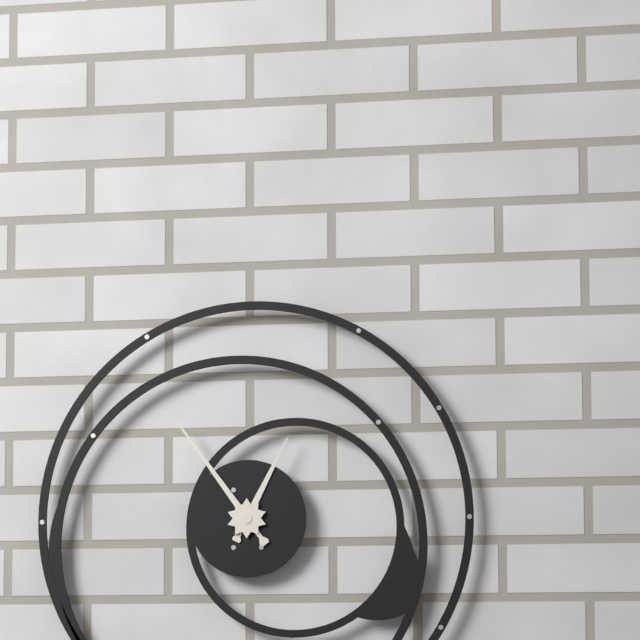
12,54
